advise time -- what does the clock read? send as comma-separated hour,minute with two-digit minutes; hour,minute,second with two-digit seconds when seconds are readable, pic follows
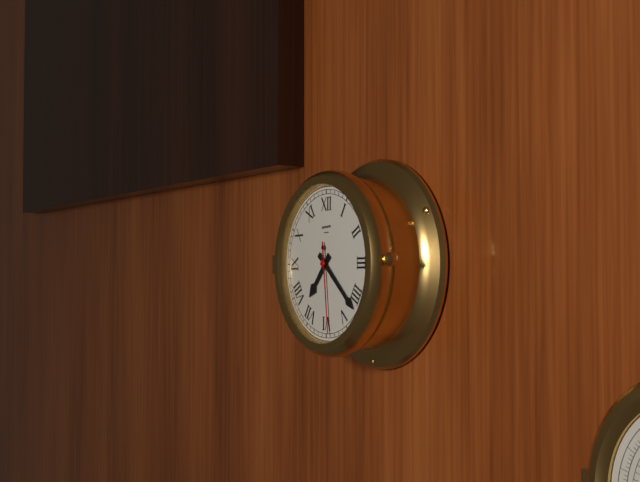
7,22,29
